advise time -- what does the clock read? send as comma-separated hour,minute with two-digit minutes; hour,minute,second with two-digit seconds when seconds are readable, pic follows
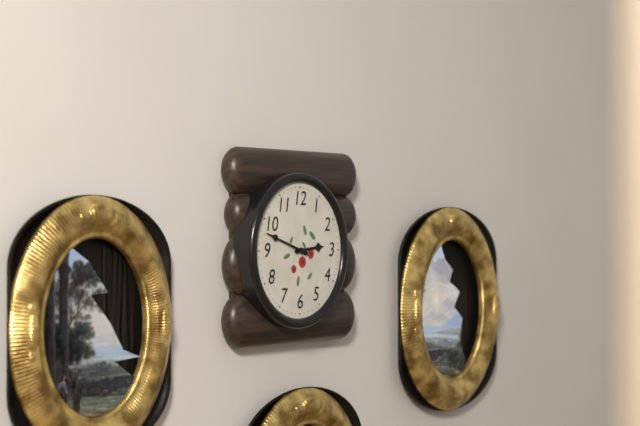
2,48
